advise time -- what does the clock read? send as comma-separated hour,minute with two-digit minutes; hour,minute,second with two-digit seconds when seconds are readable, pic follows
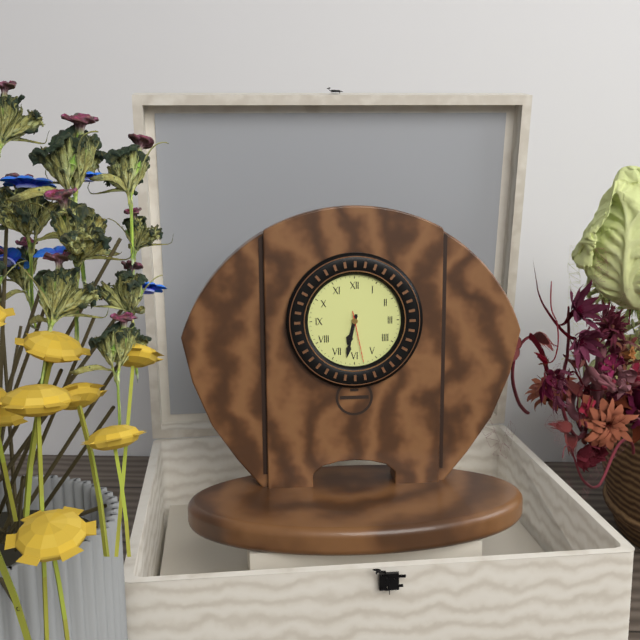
6,32,28
